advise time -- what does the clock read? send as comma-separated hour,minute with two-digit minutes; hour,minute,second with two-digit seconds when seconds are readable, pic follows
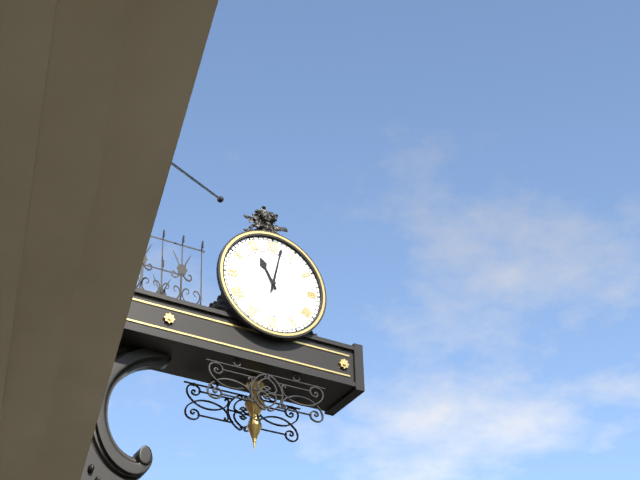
11,02
